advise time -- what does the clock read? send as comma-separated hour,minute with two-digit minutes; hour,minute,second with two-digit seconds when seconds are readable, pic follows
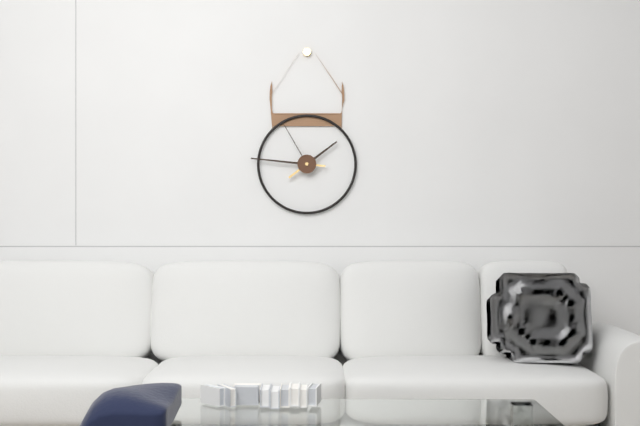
1,46,55
